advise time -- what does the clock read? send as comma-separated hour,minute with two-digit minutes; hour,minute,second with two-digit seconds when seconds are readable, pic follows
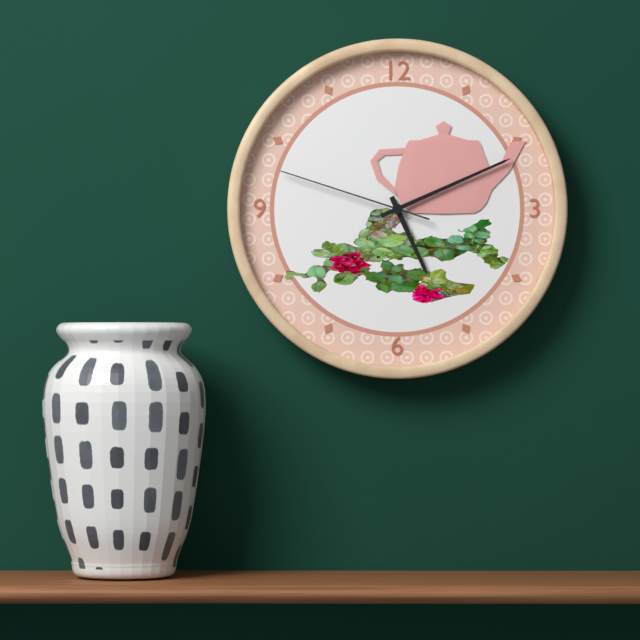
5,11,48
